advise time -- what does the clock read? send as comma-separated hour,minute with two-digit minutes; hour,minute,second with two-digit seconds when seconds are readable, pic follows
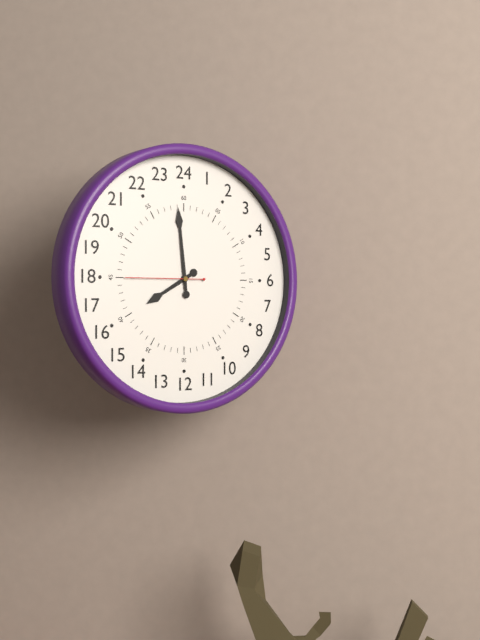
7,59,45
